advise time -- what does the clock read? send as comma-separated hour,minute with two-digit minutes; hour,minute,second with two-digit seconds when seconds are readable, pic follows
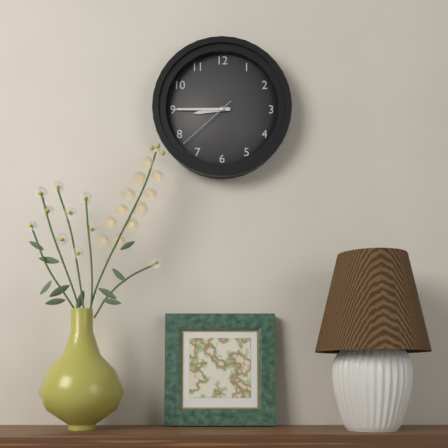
8,45,38
